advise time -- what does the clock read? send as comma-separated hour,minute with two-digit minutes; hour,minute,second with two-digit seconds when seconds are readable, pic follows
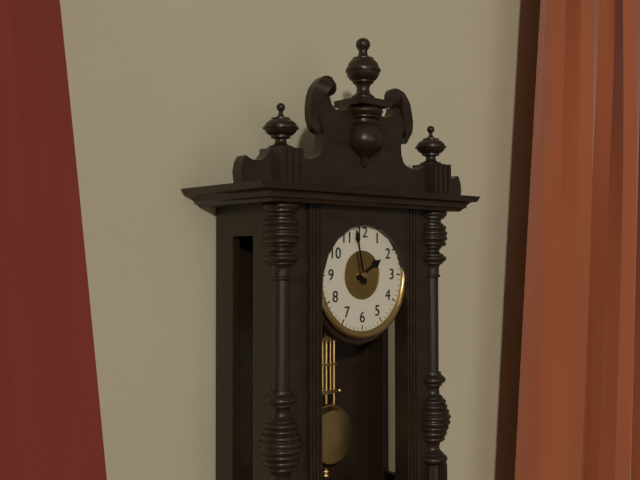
1,58
